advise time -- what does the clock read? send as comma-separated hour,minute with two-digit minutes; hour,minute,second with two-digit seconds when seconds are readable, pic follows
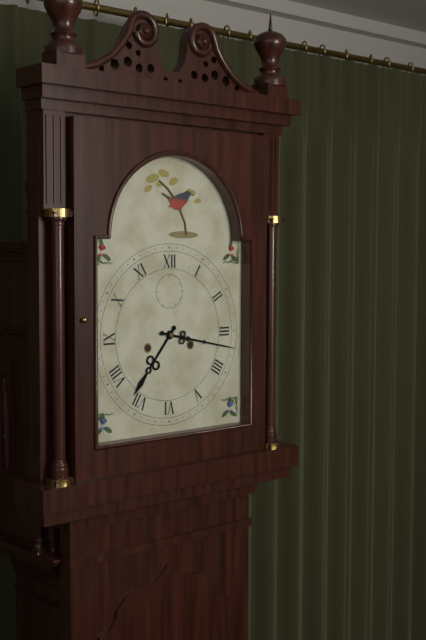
7,17
